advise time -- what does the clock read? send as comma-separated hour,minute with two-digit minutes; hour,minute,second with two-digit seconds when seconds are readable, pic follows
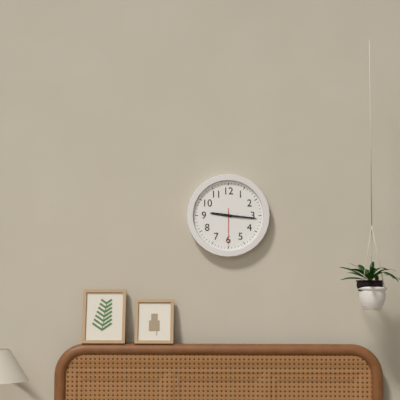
9,16
